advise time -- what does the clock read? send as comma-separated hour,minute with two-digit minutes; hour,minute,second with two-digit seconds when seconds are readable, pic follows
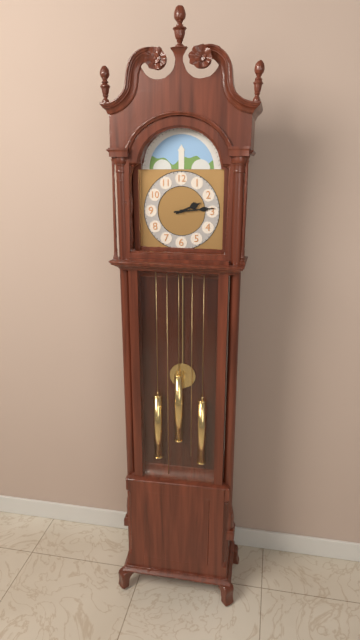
2,14
